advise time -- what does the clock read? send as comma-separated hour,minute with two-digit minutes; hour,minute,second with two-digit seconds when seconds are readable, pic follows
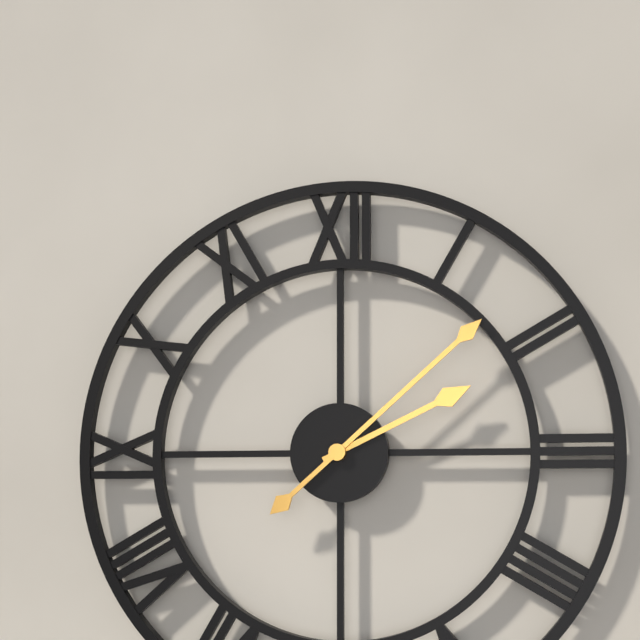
2,08
